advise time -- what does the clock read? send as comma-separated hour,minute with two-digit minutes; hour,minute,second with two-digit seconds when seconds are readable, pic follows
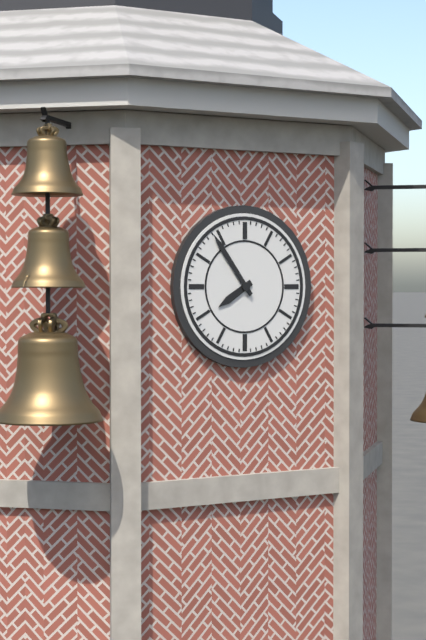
7,54
